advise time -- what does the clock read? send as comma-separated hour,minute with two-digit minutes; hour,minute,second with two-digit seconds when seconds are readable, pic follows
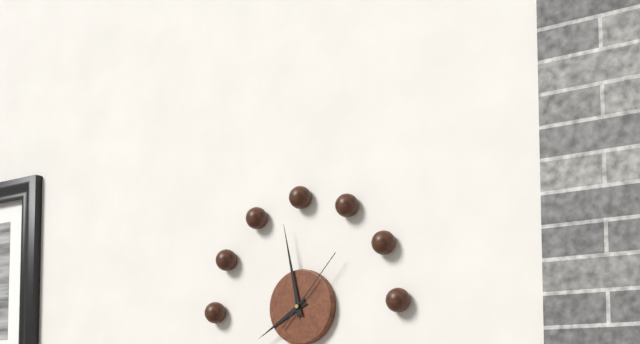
7,58,07
